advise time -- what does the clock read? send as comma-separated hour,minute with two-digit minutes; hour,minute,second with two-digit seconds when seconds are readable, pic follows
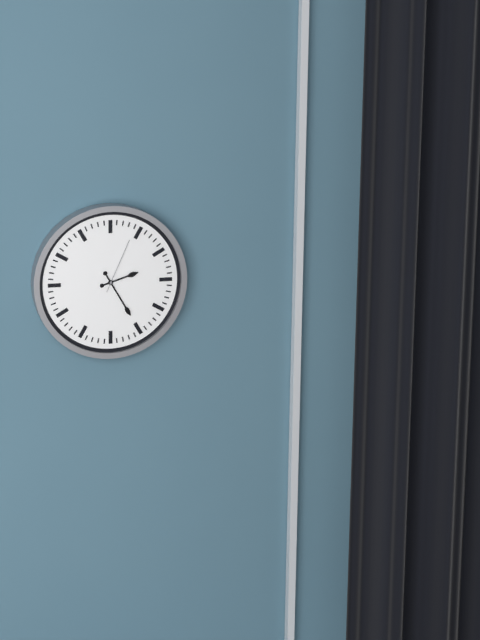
2,25,04
